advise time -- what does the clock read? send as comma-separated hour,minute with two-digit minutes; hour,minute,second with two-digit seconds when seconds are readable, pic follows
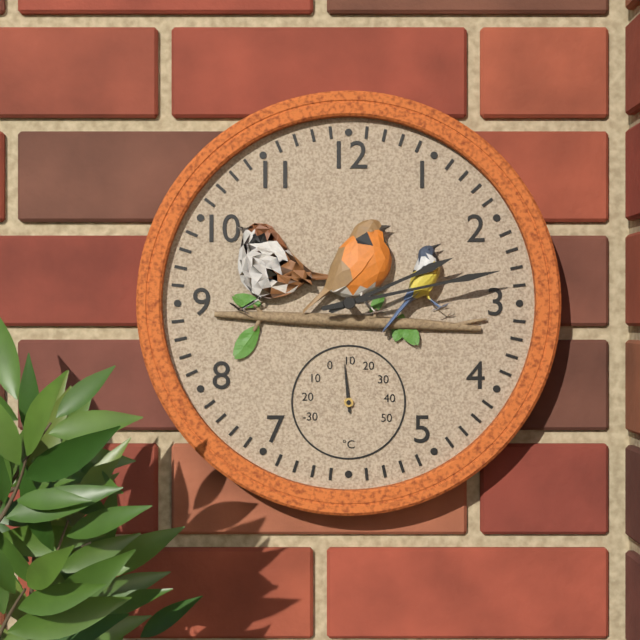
2,13
